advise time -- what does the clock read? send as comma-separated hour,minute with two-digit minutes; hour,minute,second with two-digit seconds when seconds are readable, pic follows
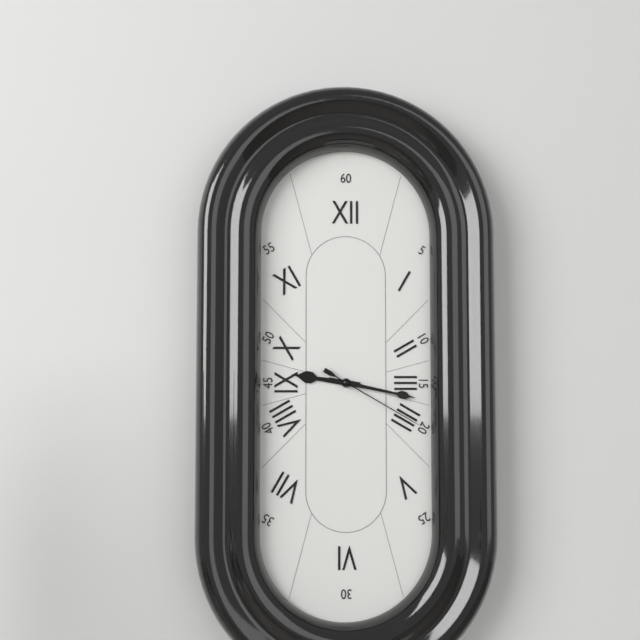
9,17,20
